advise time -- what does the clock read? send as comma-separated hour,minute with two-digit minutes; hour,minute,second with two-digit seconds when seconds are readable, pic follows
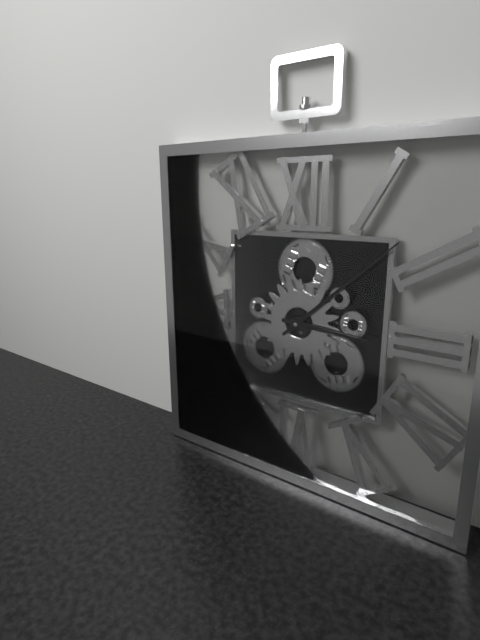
3,08
